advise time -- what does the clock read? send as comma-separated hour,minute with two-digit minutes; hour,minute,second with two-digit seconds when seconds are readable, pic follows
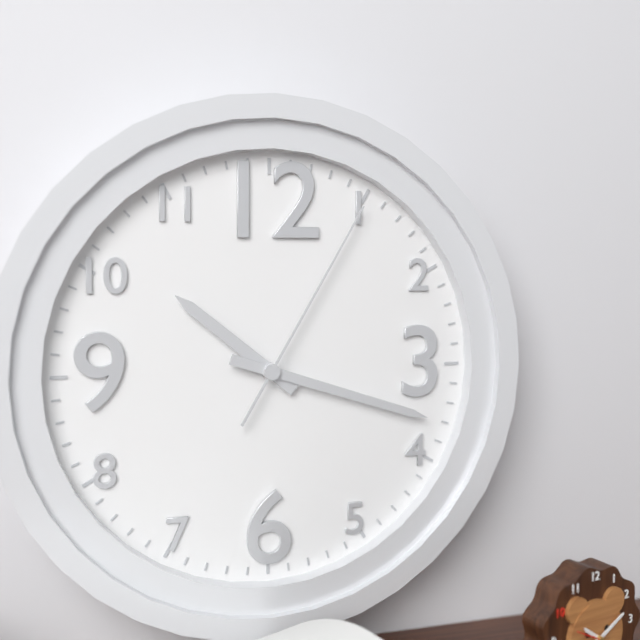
10,18,05
